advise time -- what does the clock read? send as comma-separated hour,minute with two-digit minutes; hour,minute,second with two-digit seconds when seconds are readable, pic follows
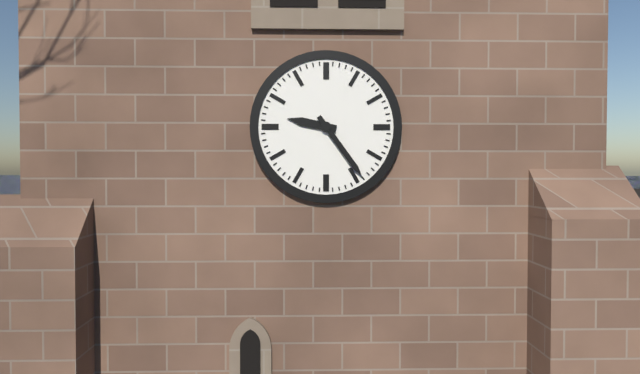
9,24
